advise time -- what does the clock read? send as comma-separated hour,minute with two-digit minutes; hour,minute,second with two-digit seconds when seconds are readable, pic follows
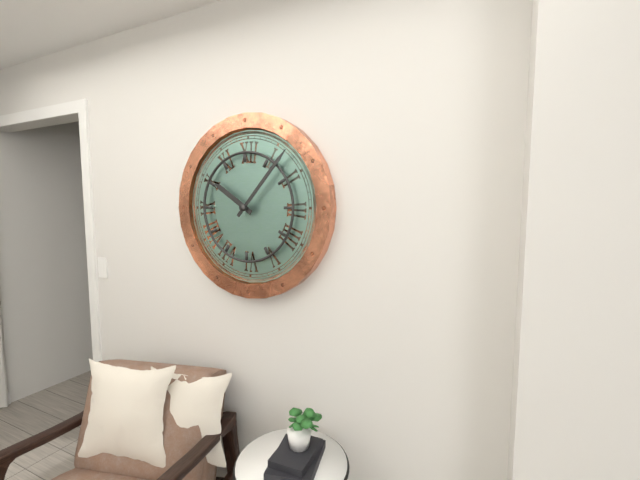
10,07
